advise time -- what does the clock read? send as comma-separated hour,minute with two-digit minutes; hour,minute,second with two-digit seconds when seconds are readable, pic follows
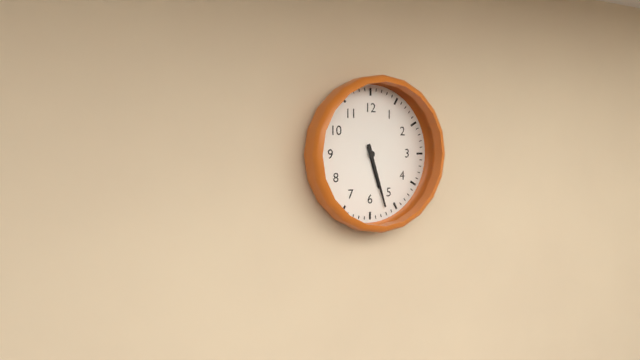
5,27
